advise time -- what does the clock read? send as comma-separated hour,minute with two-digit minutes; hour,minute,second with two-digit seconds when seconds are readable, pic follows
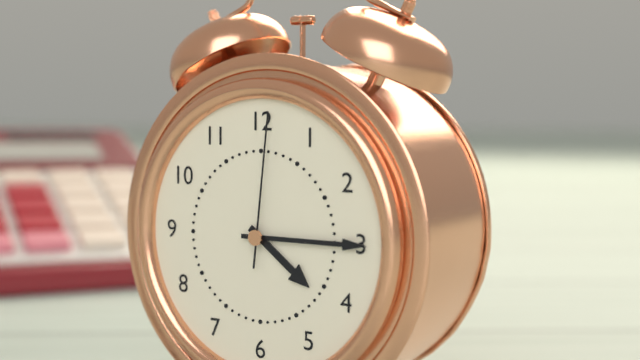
4,15,01
